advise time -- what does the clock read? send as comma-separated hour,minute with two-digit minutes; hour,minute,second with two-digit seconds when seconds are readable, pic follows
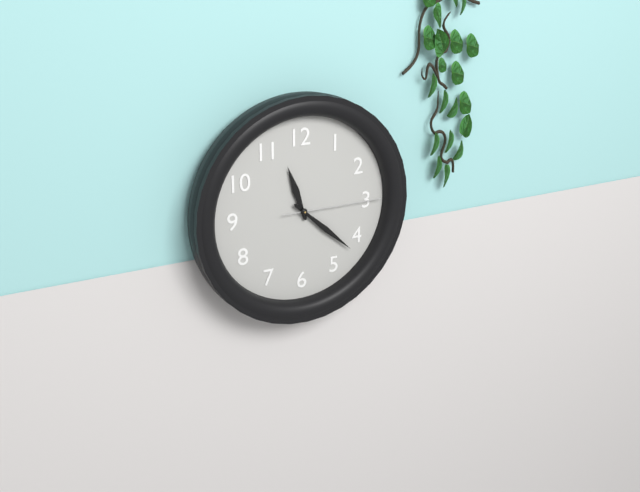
11,22,15
